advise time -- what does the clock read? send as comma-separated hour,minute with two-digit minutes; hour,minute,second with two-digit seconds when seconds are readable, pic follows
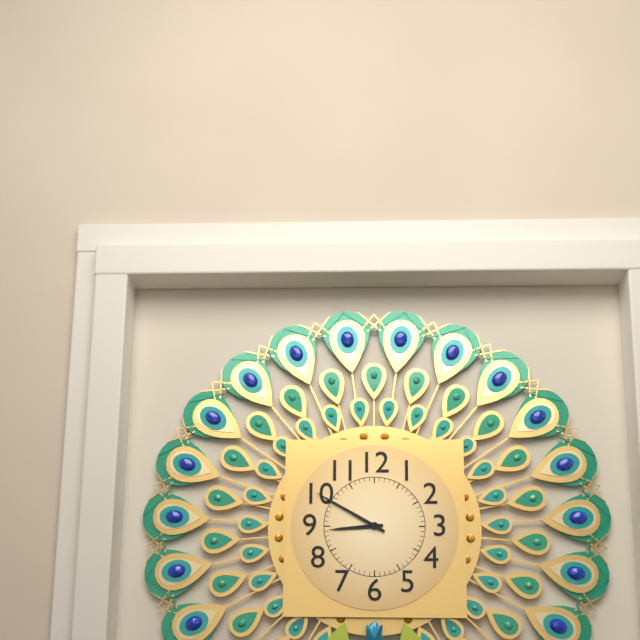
8,50
